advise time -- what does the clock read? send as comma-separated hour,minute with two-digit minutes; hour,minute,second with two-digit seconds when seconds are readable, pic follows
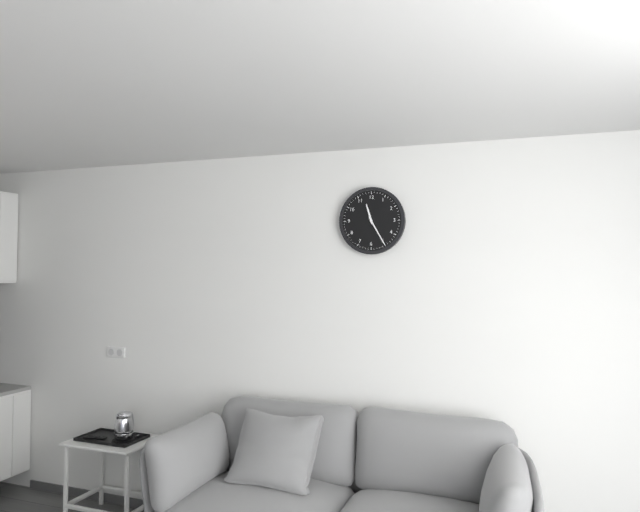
11,25
